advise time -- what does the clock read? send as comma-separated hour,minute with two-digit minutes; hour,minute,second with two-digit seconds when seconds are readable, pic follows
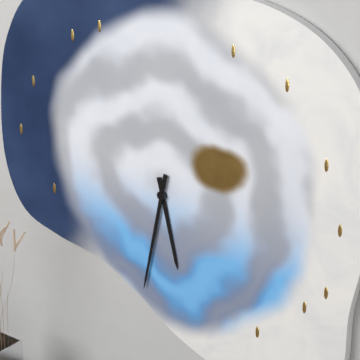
5,32
